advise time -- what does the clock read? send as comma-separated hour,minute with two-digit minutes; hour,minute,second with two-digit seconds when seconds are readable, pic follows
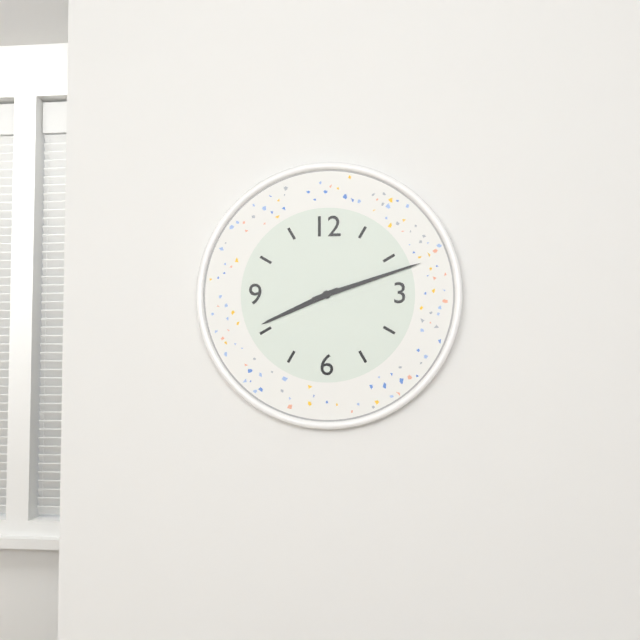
8,12
